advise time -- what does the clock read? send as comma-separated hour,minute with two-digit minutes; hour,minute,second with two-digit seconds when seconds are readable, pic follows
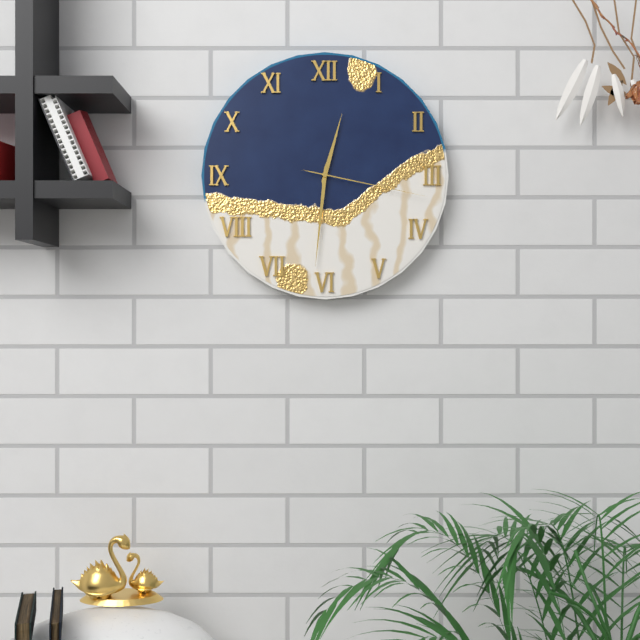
12,31,17
